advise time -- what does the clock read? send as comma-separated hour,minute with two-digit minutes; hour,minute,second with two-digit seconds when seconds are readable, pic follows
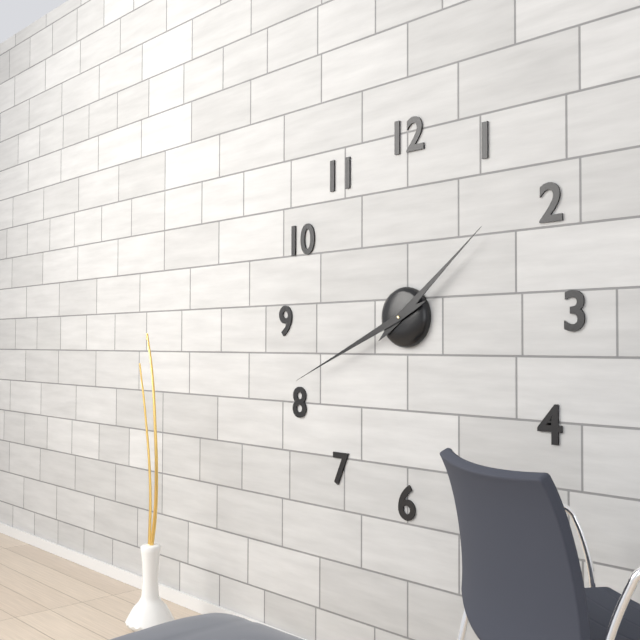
1,41
